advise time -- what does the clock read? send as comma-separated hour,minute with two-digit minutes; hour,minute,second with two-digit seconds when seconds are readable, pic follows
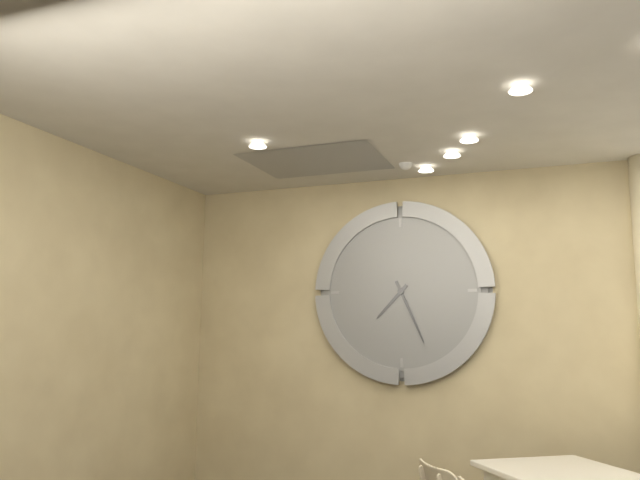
7,26
